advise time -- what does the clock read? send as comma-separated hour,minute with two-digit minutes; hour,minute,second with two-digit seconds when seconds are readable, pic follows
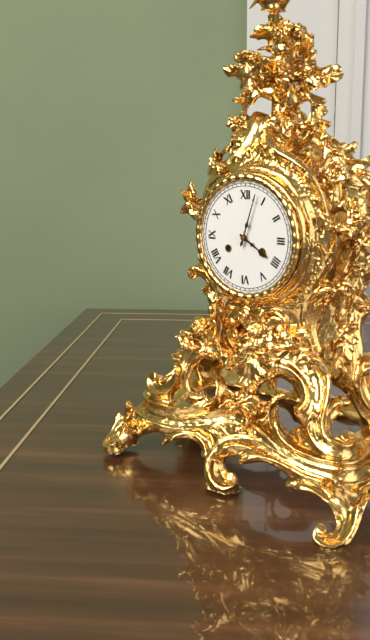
4,03
